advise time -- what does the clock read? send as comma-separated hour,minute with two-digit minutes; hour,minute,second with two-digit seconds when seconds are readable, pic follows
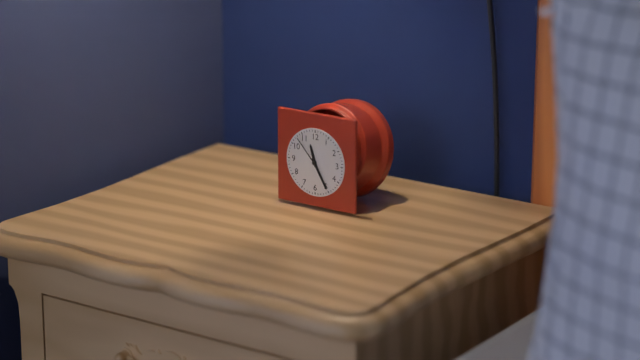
11,25
